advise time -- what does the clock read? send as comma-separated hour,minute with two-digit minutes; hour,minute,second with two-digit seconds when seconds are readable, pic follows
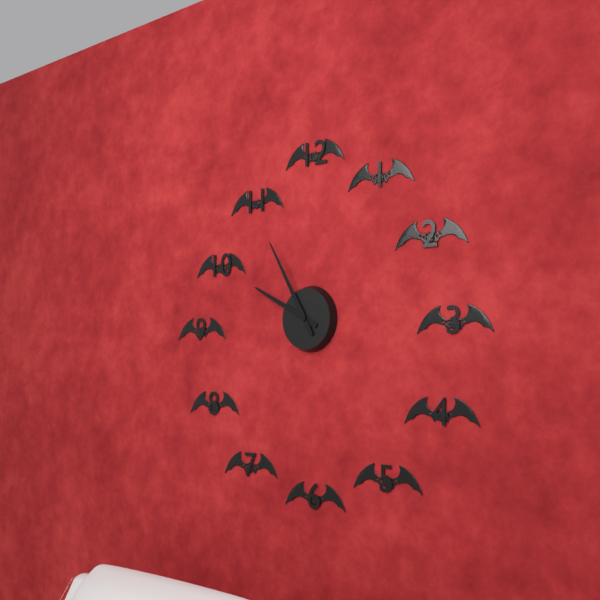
9,55
